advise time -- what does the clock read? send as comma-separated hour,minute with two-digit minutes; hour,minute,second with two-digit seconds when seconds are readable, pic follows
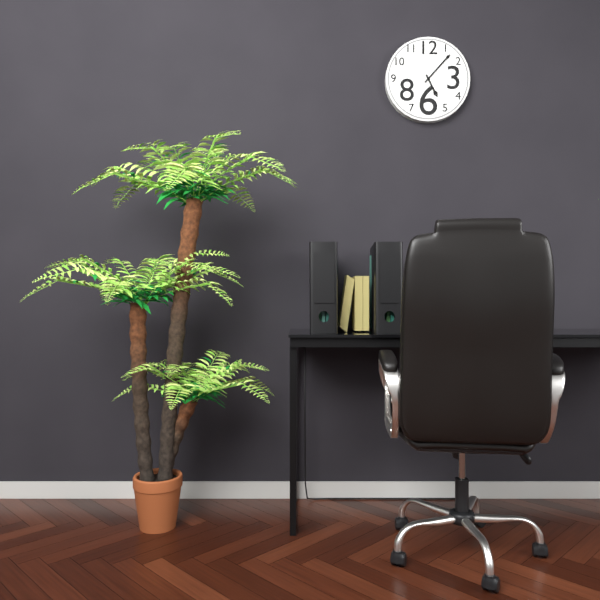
5,07
